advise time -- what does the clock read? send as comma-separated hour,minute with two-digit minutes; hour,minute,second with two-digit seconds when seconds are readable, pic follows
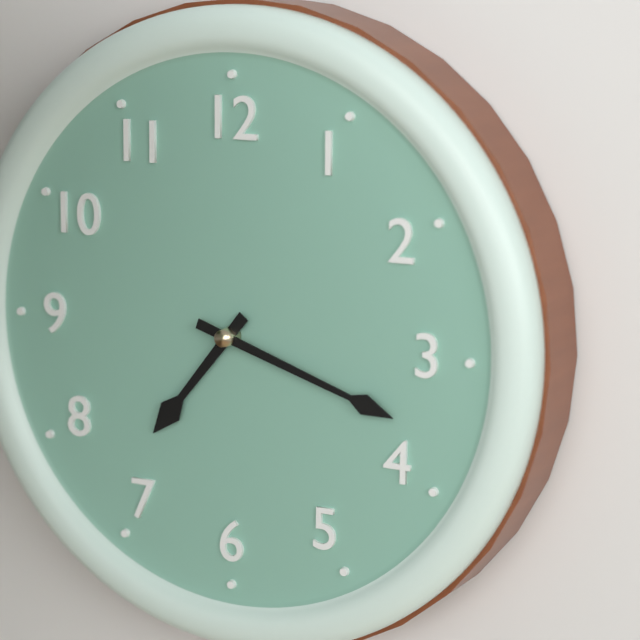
7,18
